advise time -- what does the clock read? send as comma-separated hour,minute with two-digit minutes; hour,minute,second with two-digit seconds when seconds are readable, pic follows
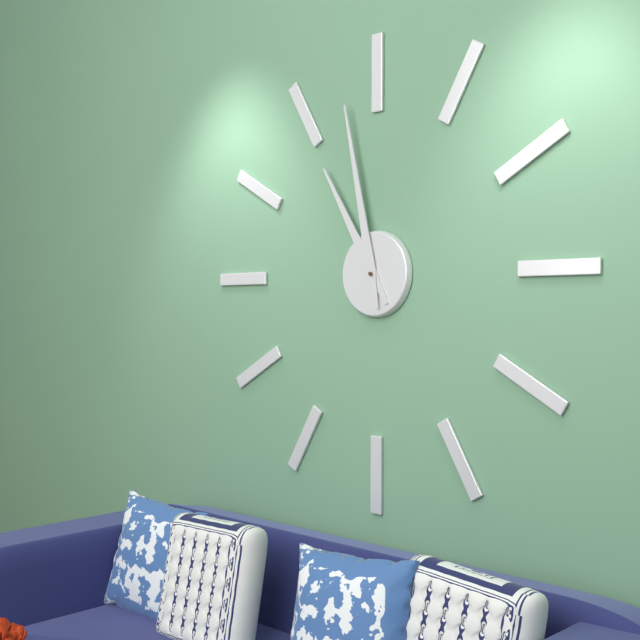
10,58
